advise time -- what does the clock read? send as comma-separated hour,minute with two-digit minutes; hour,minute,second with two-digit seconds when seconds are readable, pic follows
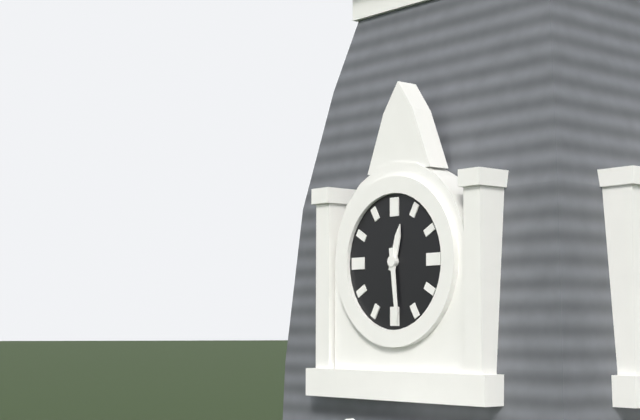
12,29
